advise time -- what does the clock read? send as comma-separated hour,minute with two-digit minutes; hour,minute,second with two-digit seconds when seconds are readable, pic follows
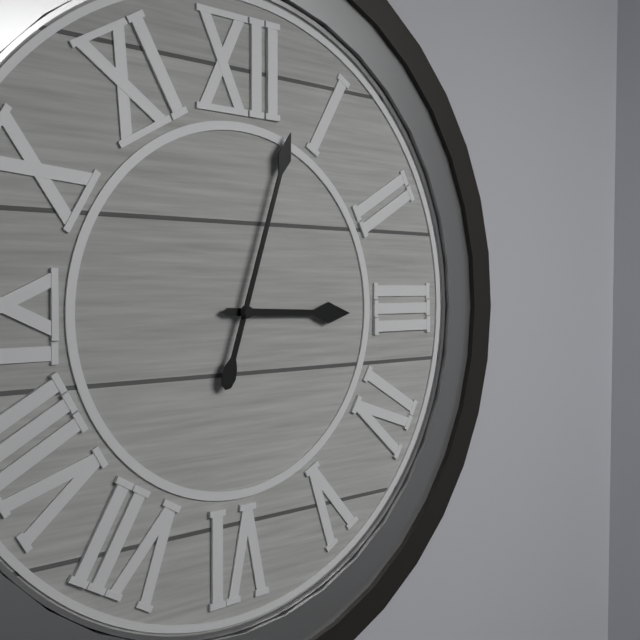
3,03
